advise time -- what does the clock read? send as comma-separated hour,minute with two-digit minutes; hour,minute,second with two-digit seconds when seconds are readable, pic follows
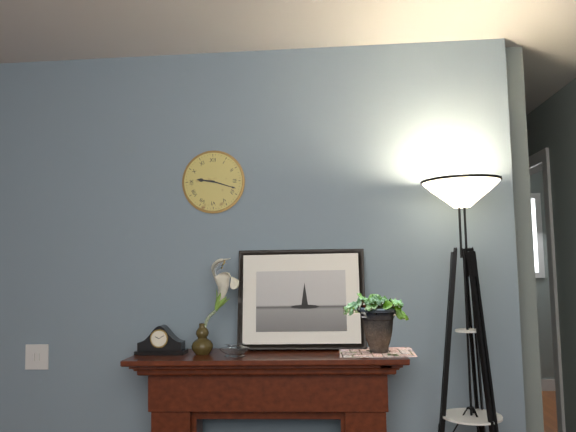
9,18
